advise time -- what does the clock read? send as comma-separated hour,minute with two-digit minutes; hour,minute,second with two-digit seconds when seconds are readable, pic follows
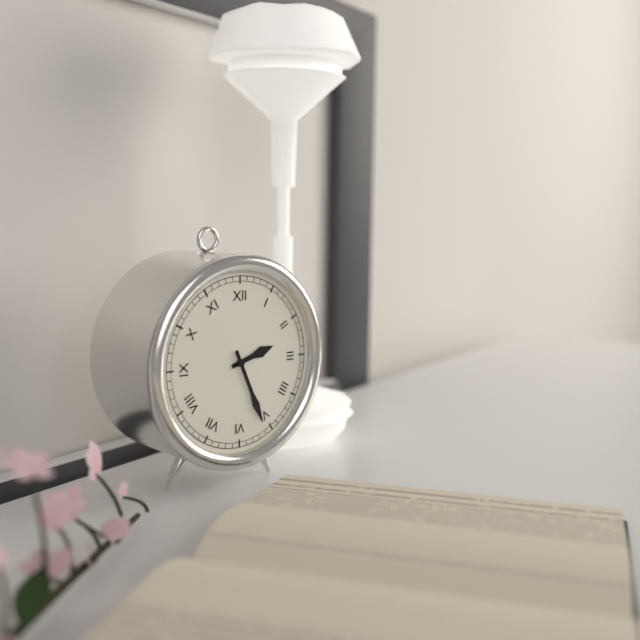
2,26
